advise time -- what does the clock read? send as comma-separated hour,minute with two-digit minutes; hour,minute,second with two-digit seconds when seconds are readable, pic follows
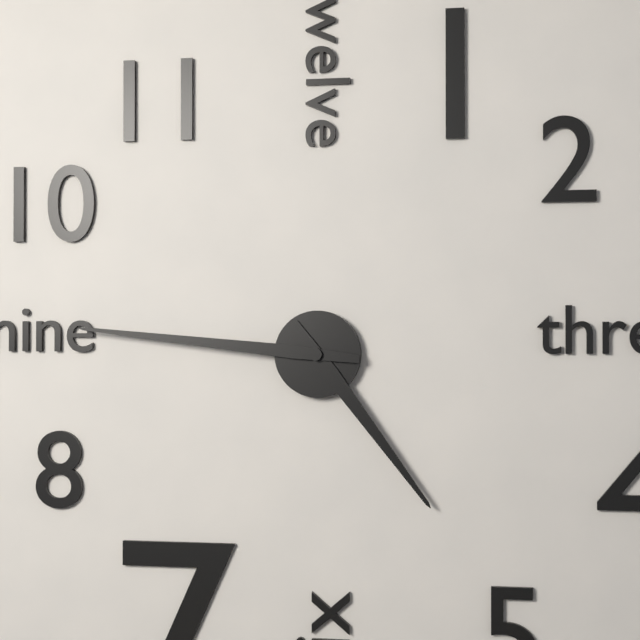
4,46
